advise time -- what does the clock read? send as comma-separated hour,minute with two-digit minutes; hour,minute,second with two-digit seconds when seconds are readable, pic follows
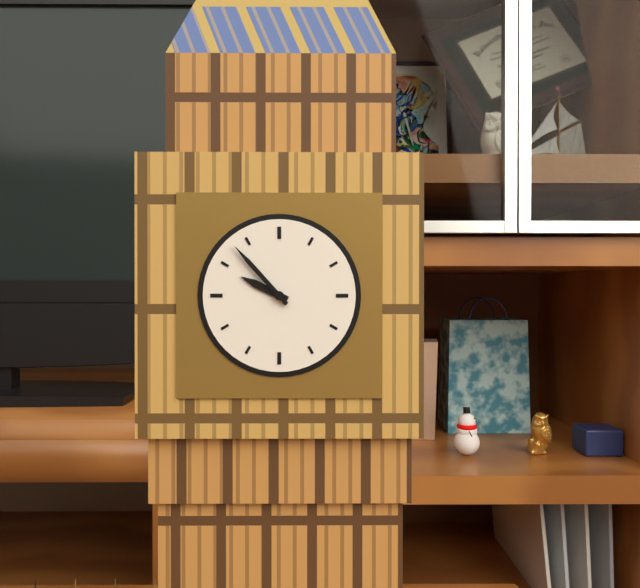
9,53
